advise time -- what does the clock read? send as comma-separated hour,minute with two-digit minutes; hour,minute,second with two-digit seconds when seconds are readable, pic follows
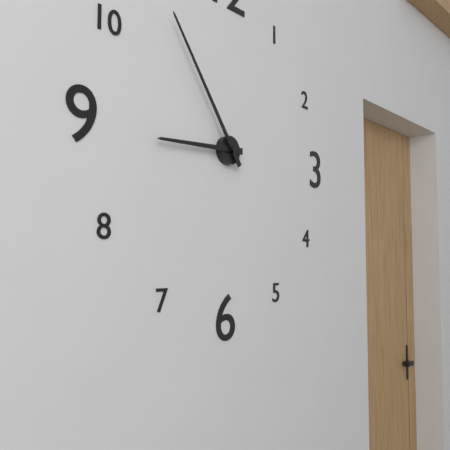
8,54
